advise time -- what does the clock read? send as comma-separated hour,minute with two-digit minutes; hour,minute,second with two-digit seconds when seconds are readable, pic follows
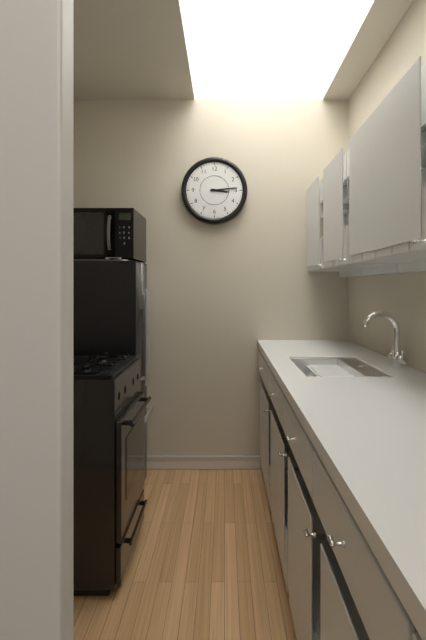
3,14
